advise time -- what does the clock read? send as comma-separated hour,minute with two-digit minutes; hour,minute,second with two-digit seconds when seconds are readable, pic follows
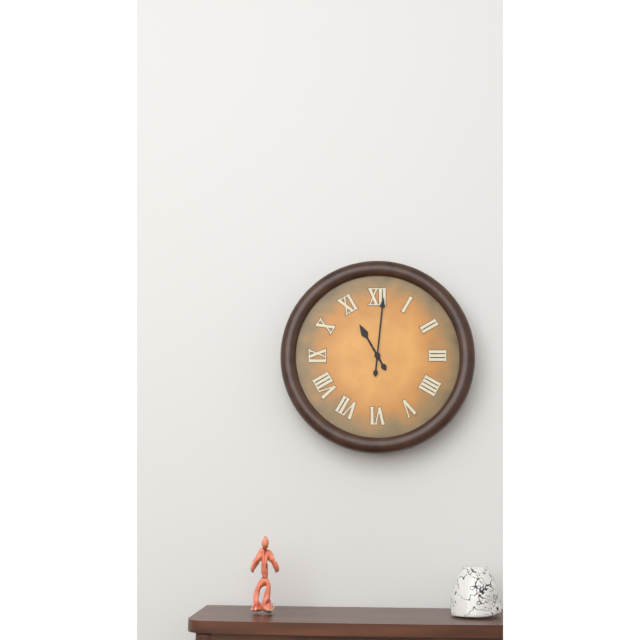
11,01
